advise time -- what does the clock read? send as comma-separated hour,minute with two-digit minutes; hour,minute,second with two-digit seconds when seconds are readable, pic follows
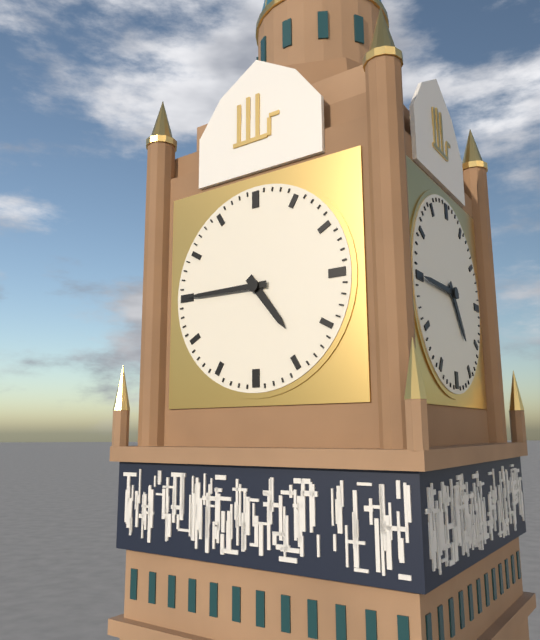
4,45
